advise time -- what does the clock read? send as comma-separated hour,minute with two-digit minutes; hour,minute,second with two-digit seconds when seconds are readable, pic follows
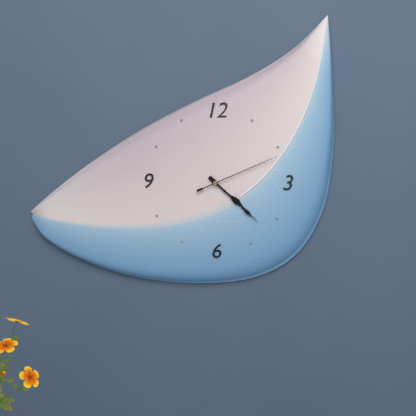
4,22,11
